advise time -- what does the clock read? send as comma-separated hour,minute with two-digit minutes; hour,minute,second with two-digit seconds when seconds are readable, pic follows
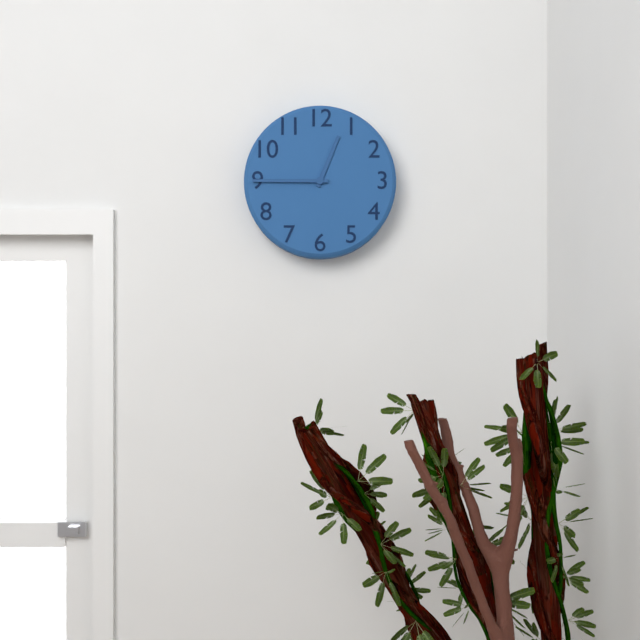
12,45
